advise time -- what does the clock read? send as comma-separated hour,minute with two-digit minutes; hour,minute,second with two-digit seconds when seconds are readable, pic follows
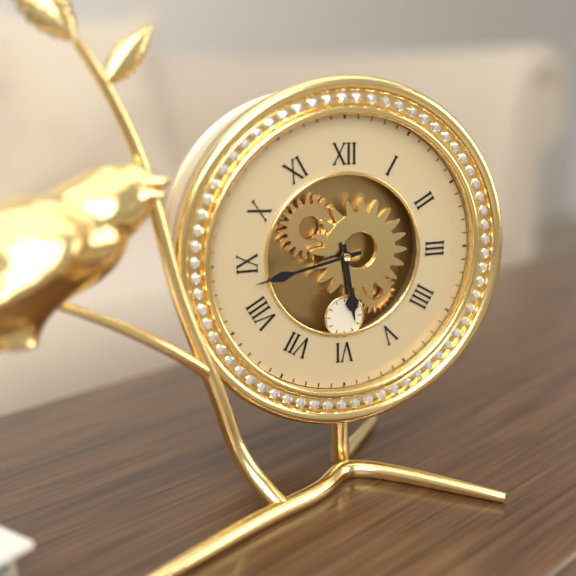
5,43
